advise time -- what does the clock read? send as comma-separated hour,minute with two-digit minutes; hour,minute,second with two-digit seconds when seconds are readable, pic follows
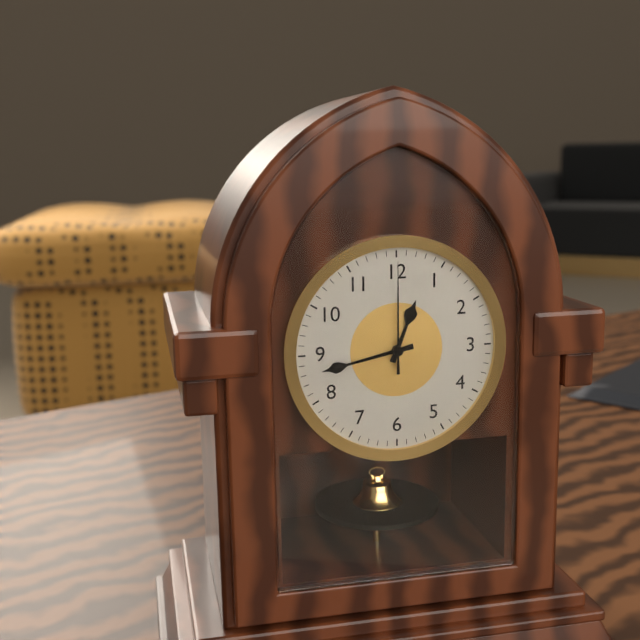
12,43,00
